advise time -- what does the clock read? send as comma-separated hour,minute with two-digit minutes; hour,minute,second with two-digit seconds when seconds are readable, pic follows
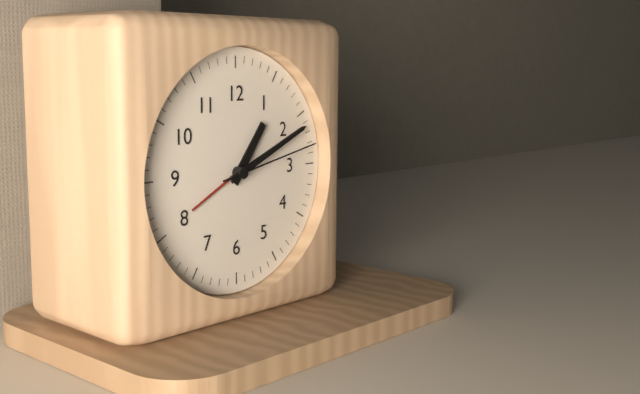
1,11,13
